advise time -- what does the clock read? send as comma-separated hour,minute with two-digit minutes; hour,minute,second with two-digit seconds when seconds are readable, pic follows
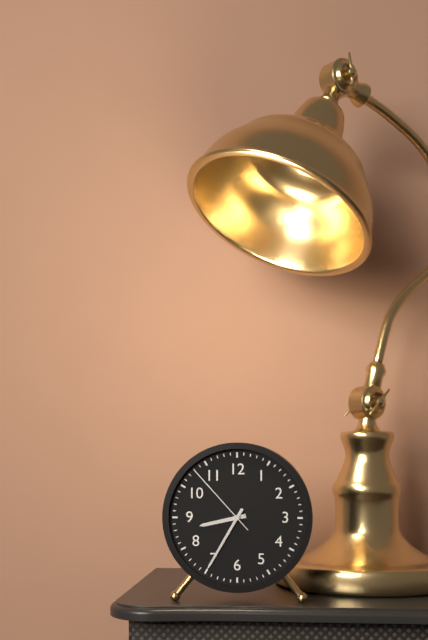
8,35,53
